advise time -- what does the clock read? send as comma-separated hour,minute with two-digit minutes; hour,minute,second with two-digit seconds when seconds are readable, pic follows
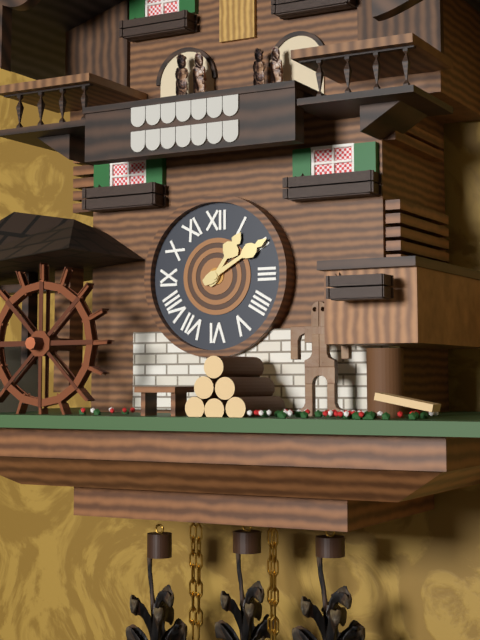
1,10
